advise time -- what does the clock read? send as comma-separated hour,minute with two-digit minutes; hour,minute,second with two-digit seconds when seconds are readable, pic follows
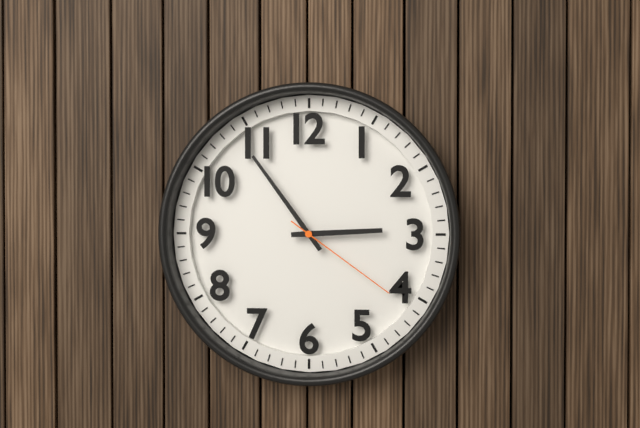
2,54,21
